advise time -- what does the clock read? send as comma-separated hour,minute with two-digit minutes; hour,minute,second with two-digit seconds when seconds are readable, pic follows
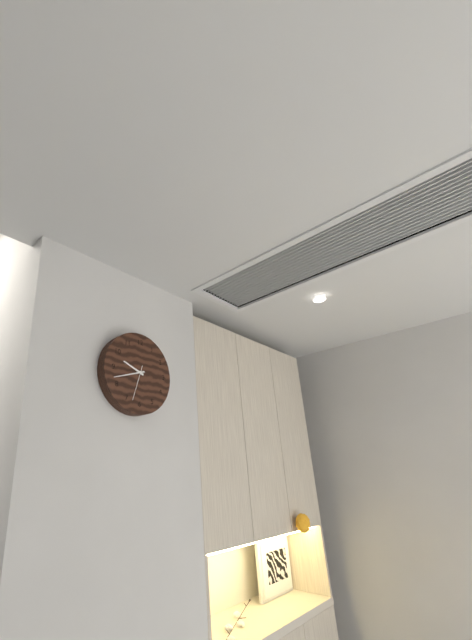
9,42
